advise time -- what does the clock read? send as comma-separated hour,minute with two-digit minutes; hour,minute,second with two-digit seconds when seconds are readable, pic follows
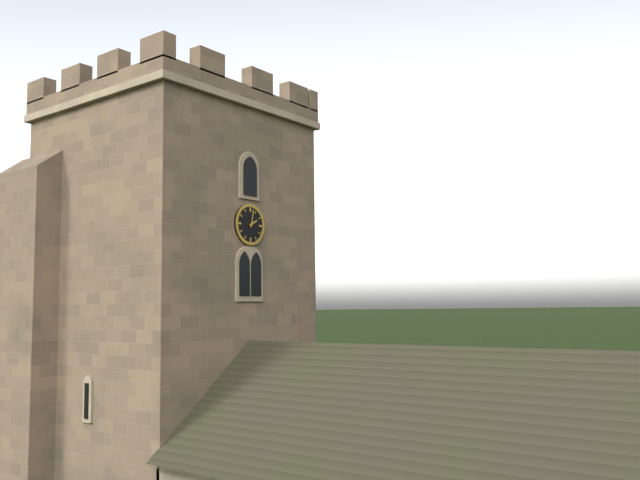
2,02
